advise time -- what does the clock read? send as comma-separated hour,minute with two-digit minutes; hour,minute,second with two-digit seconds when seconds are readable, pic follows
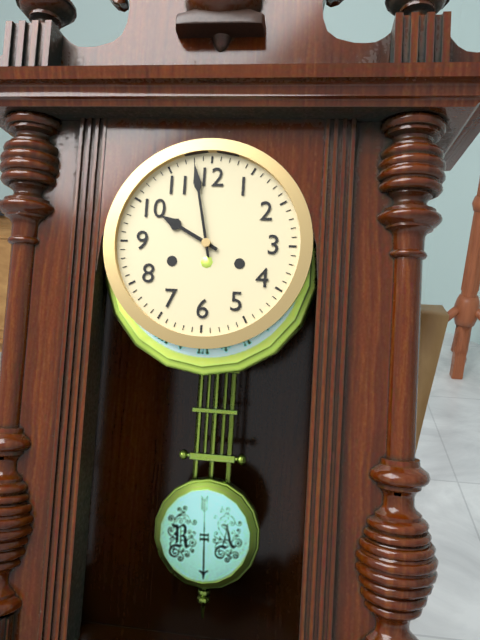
9,58
